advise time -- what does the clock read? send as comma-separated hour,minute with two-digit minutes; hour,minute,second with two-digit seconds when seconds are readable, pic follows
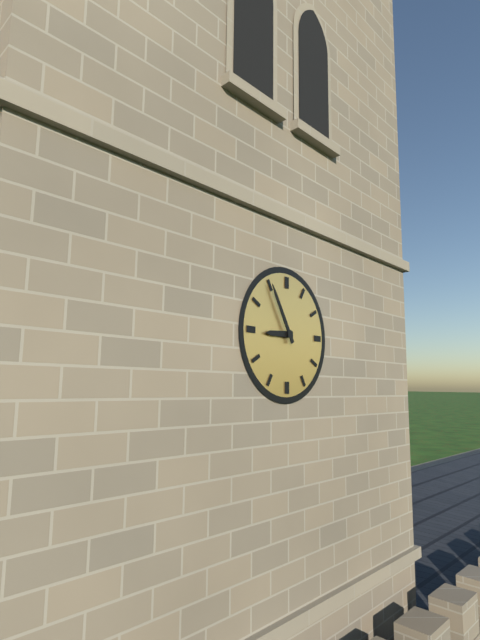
8,55
